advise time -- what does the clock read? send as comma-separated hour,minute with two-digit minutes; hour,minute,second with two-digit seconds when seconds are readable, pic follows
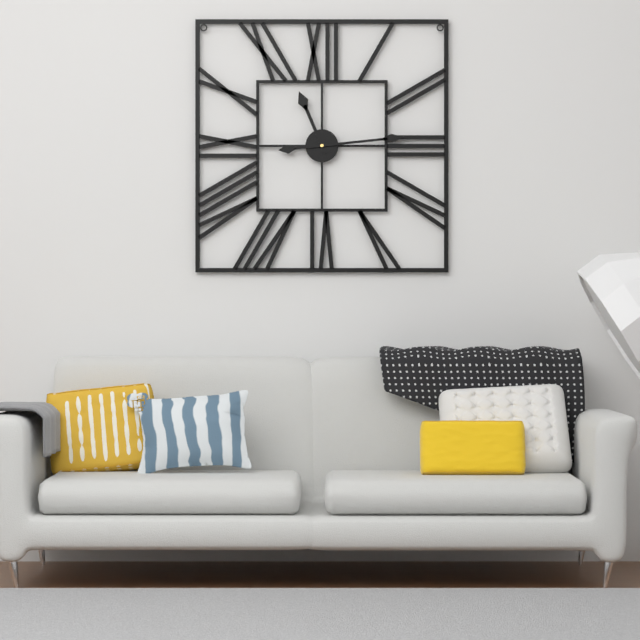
11,14
